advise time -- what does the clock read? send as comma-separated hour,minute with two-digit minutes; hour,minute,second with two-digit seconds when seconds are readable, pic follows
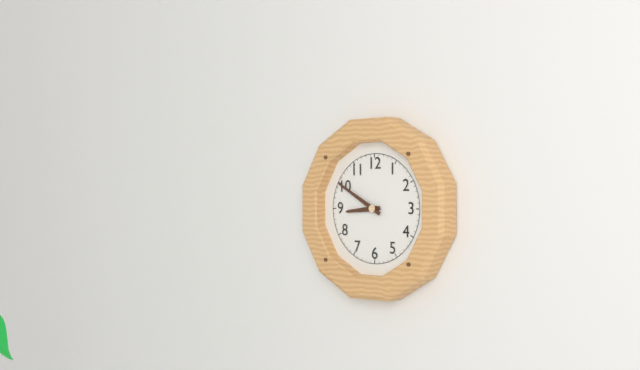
8,50
